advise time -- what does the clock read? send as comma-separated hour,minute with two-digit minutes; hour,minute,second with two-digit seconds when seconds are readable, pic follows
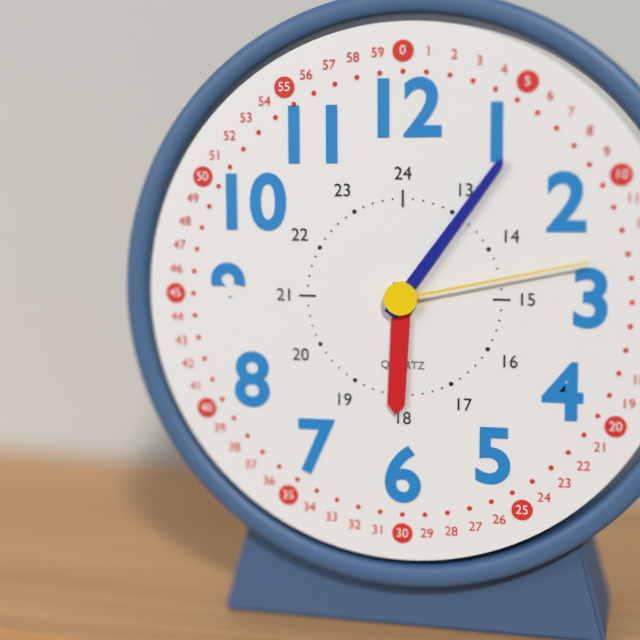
6,06,13
